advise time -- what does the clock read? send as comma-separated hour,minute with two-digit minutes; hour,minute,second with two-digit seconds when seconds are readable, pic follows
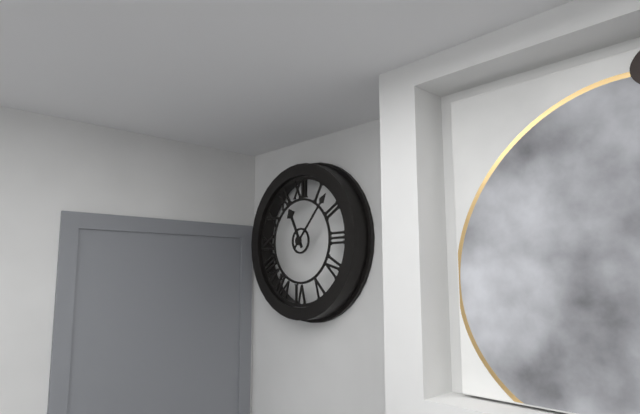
11,07
